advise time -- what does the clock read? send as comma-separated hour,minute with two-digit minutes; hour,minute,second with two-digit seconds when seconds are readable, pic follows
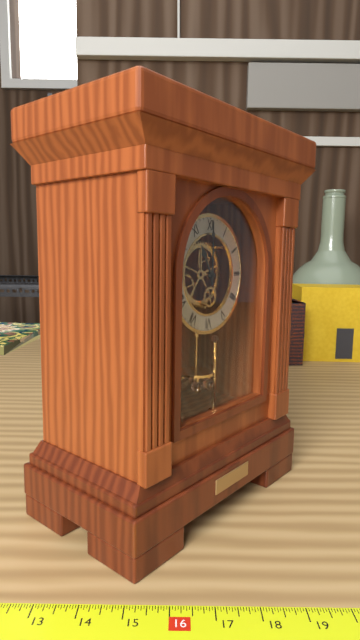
11,00
